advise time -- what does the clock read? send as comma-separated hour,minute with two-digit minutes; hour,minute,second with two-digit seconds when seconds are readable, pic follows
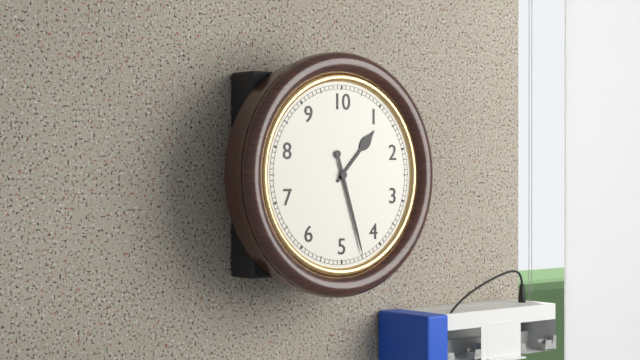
1,27
